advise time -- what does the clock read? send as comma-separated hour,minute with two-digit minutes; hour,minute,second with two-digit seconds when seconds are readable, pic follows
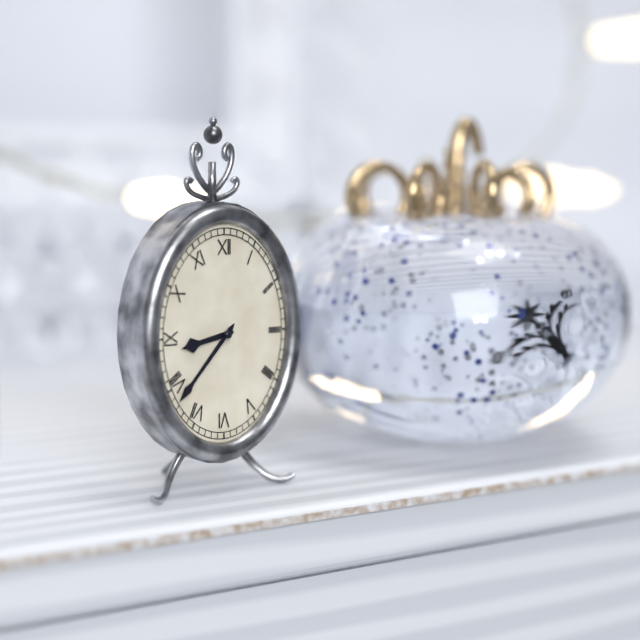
8,37
